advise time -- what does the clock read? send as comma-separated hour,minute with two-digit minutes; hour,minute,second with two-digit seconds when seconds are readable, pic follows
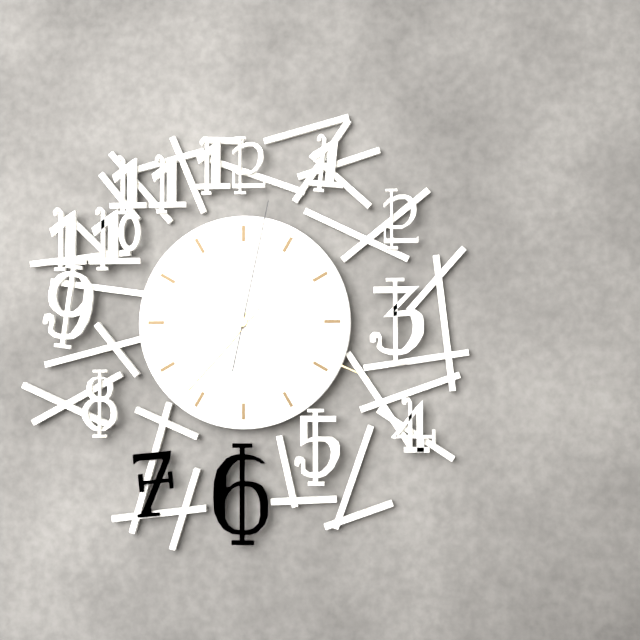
7,19,02
